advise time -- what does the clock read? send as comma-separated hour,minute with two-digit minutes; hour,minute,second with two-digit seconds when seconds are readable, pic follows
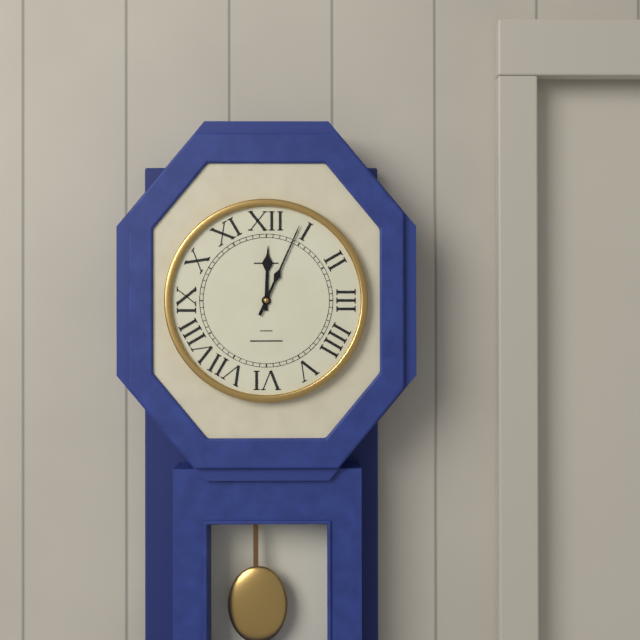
12,04
